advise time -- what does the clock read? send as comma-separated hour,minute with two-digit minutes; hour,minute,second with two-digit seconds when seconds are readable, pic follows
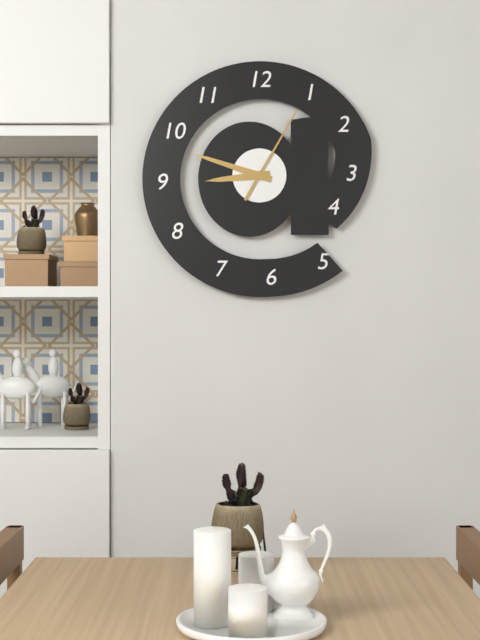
8,48,05
